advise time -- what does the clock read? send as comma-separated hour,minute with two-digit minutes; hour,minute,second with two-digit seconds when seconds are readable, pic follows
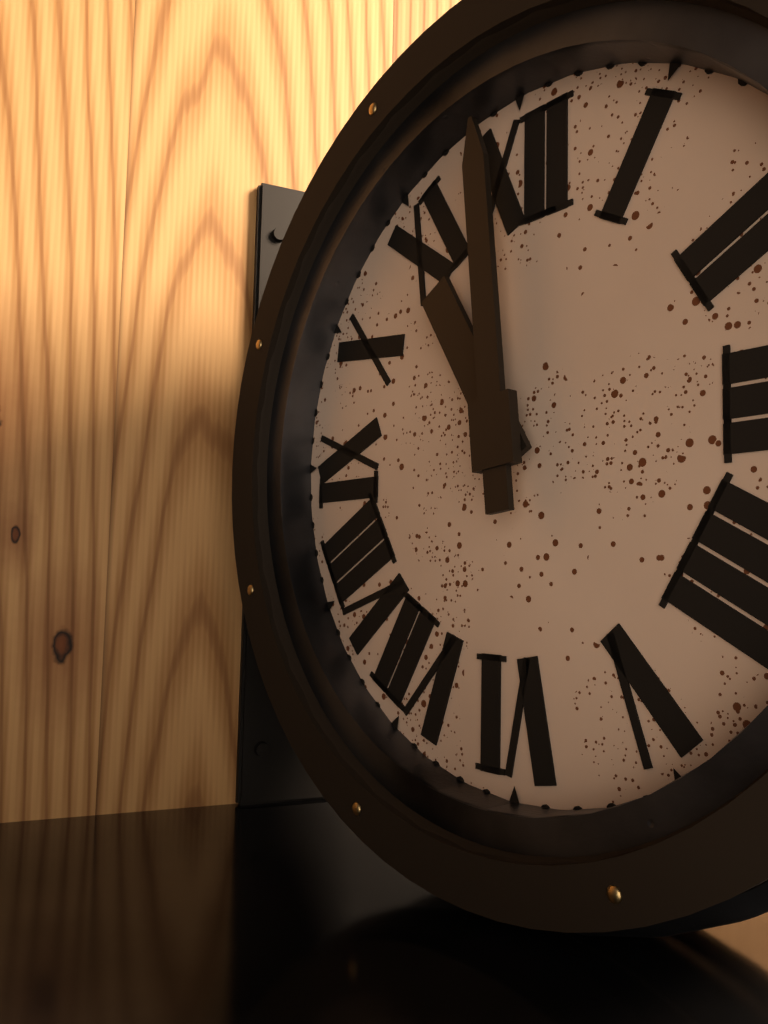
10,59
